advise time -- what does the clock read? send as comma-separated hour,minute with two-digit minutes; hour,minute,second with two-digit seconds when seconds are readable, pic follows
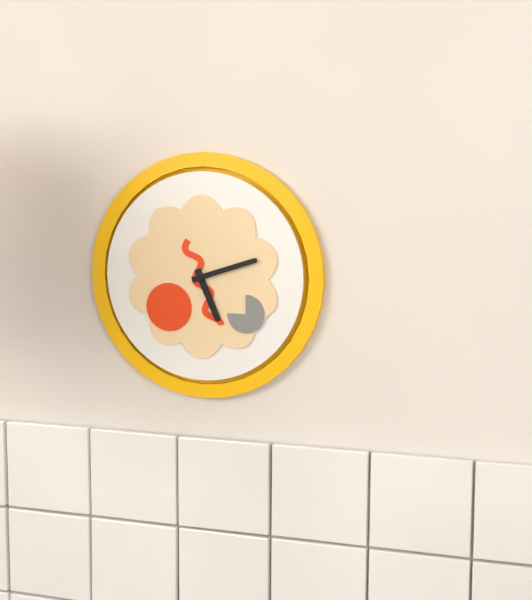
5,12
